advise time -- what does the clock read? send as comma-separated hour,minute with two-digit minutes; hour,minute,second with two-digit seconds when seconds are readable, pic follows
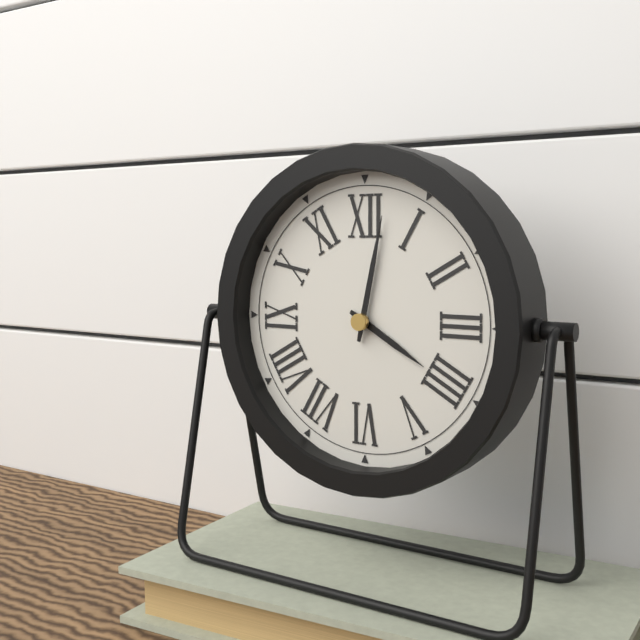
4,02
